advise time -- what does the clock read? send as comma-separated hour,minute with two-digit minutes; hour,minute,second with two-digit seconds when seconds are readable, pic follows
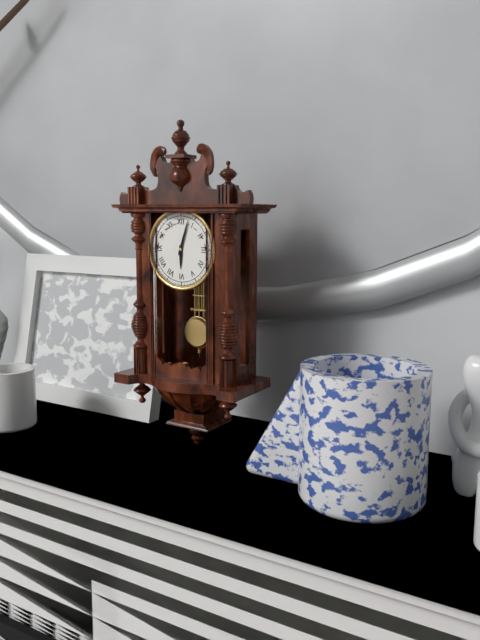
6,03
